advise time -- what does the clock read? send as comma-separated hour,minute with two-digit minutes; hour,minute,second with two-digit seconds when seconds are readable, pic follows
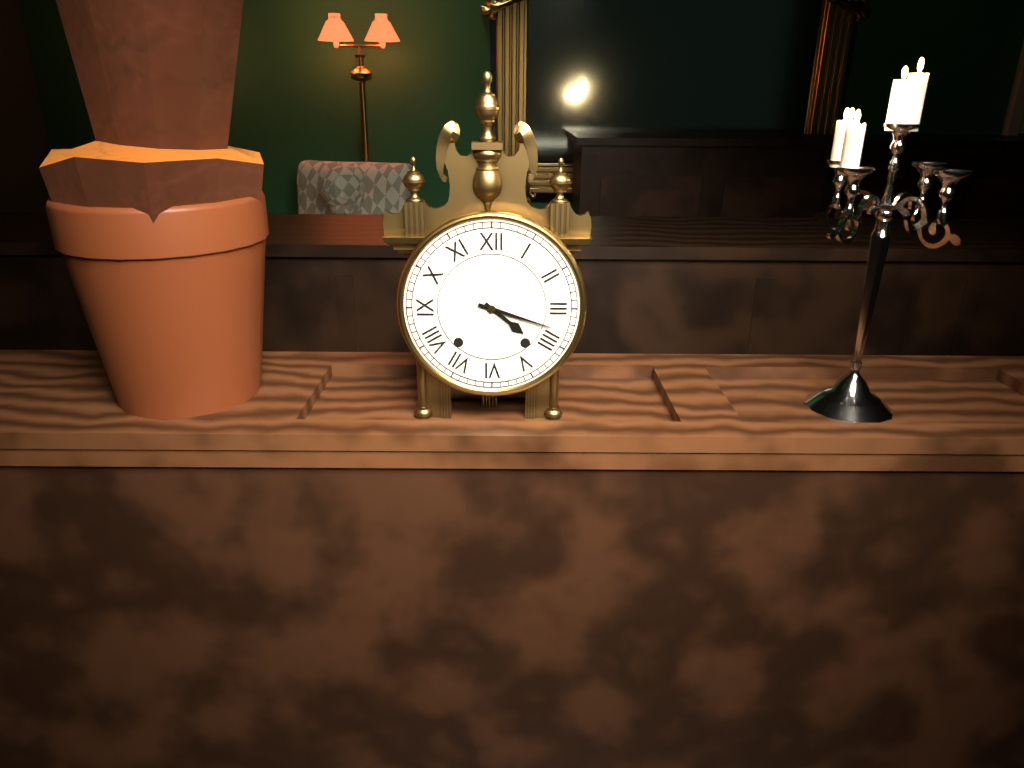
4,18
